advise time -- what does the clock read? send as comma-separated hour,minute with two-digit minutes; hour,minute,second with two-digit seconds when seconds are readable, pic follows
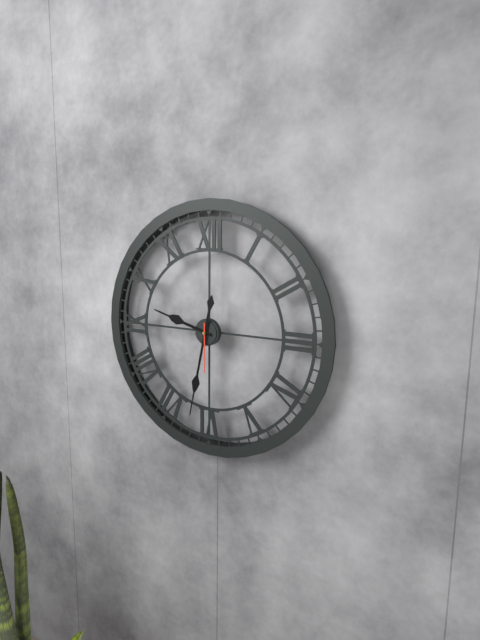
9,32,30
